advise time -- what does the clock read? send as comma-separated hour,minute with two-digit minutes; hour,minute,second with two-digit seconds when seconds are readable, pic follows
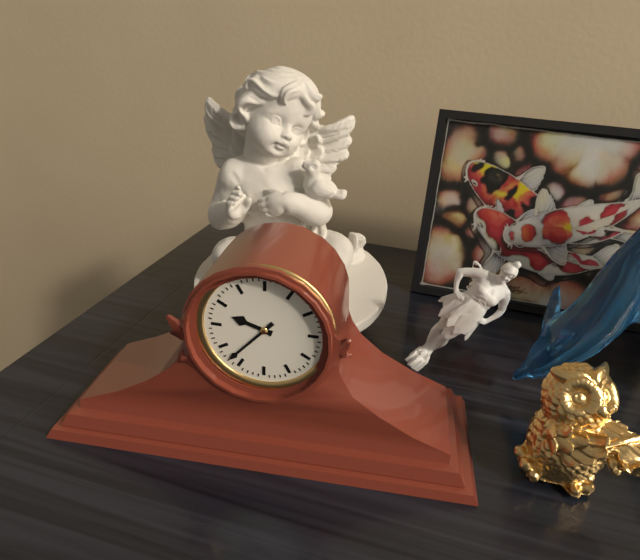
9,37
